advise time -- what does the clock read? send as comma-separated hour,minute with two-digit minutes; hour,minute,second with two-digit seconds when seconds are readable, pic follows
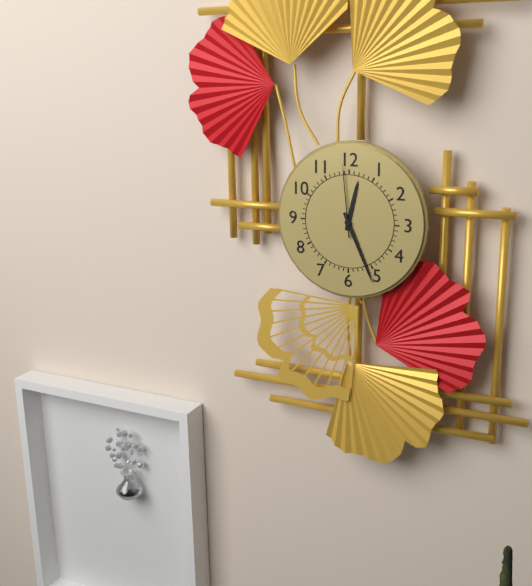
12,26,59
